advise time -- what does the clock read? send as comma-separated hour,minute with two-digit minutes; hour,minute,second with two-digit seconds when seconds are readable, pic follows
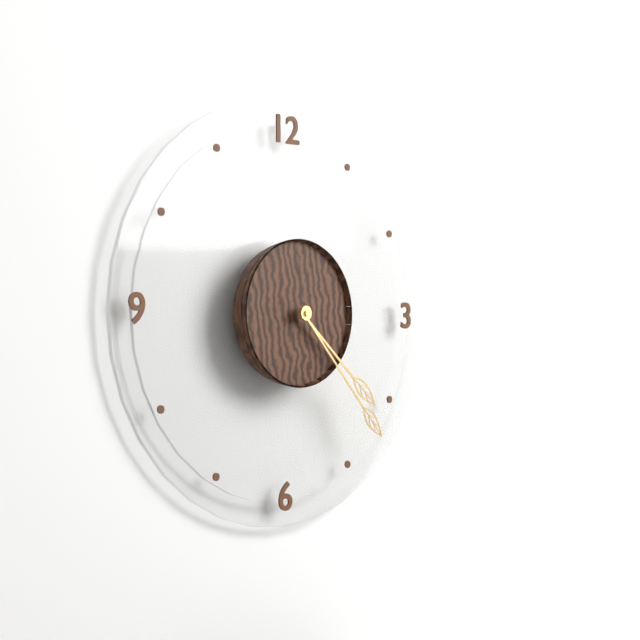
4,23
